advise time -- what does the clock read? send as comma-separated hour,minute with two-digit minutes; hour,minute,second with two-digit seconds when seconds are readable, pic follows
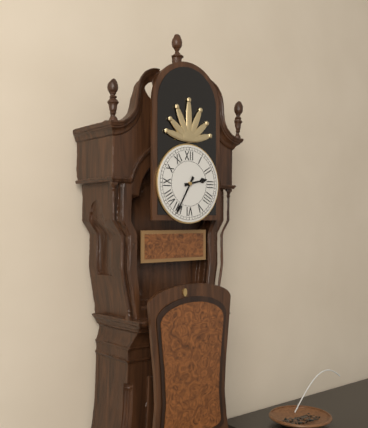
2,35
